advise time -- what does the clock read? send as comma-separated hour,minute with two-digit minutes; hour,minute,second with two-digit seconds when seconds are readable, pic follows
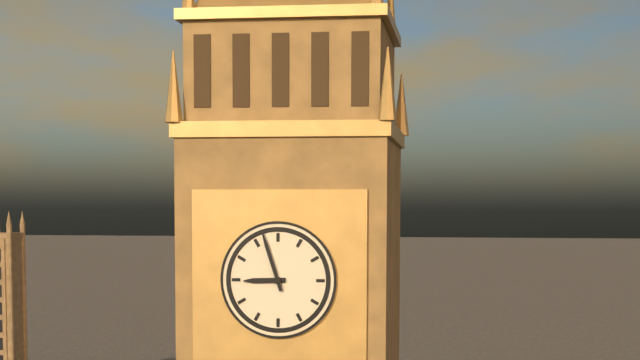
8,57
